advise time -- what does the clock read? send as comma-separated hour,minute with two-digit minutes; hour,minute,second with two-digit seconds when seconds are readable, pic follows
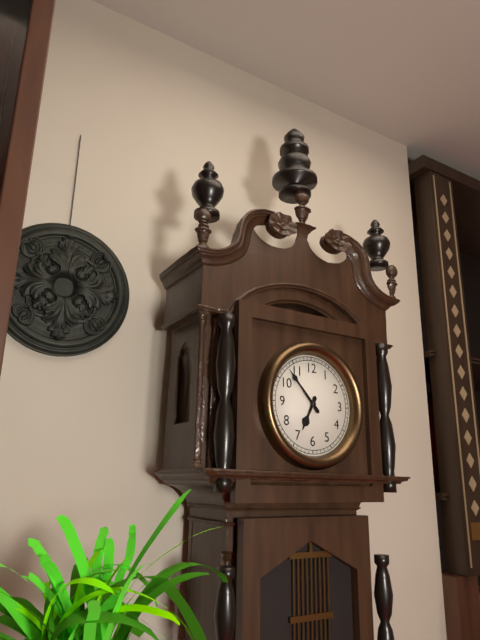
6,53
